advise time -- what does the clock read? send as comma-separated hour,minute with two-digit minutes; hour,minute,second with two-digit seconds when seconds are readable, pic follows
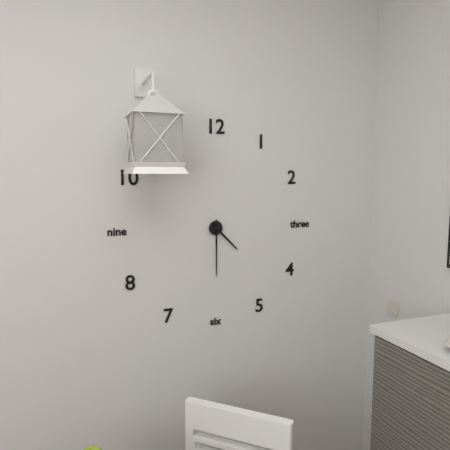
4,30
